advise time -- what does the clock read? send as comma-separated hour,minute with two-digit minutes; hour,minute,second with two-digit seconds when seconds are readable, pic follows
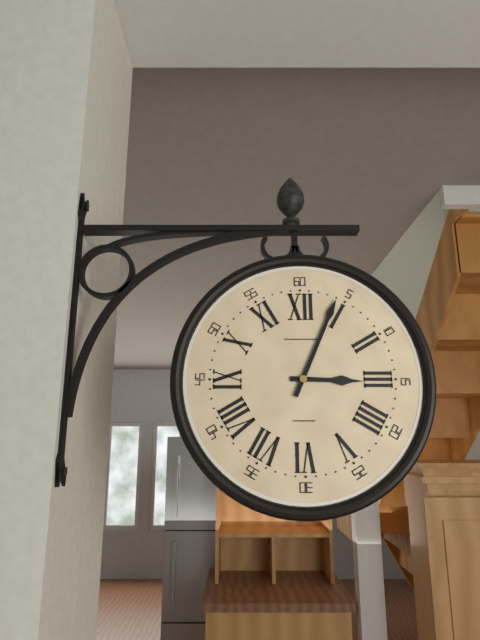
3,04
